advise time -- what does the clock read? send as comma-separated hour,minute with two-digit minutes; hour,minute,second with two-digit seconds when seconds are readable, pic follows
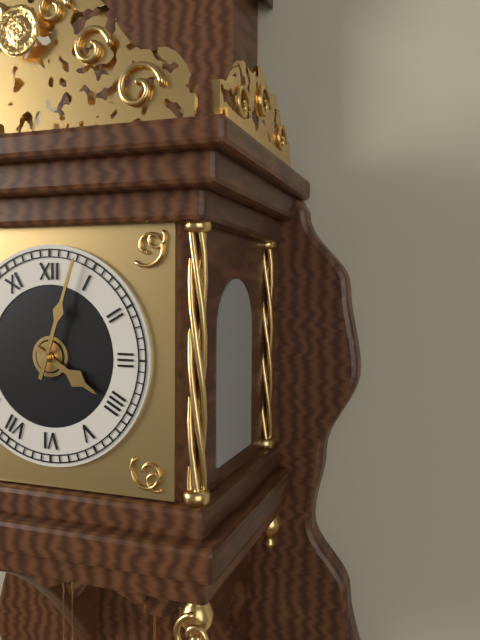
4,03
